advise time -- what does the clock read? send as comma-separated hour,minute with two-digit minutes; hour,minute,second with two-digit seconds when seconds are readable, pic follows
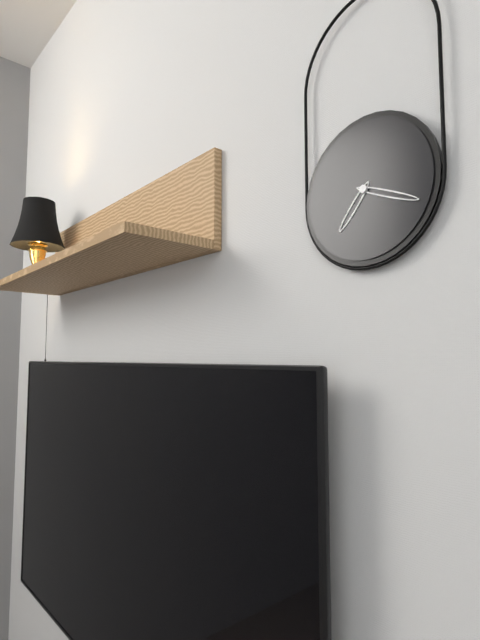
7,19
